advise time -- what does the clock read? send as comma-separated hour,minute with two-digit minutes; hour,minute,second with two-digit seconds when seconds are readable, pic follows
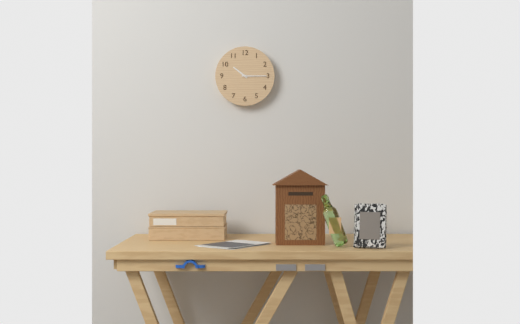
10,15
